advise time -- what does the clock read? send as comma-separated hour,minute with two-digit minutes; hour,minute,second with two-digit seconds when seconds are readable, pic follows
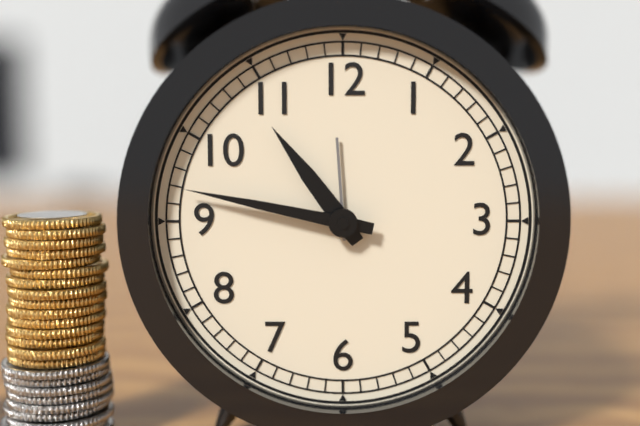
10,47
